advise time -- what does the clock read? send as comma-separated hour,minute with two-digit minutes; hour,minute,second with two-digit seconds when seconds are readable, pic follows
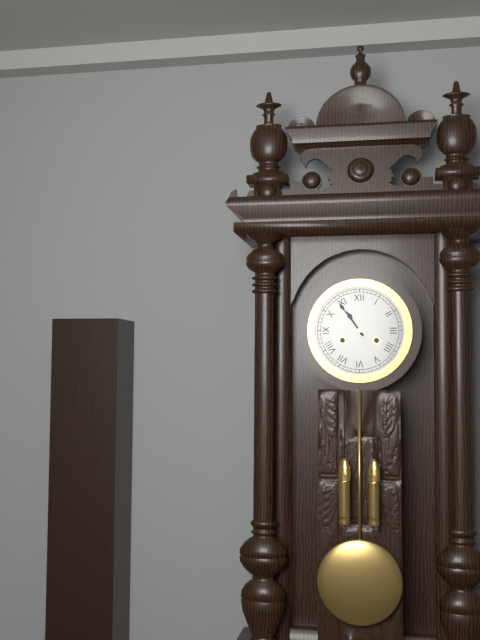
10,54
